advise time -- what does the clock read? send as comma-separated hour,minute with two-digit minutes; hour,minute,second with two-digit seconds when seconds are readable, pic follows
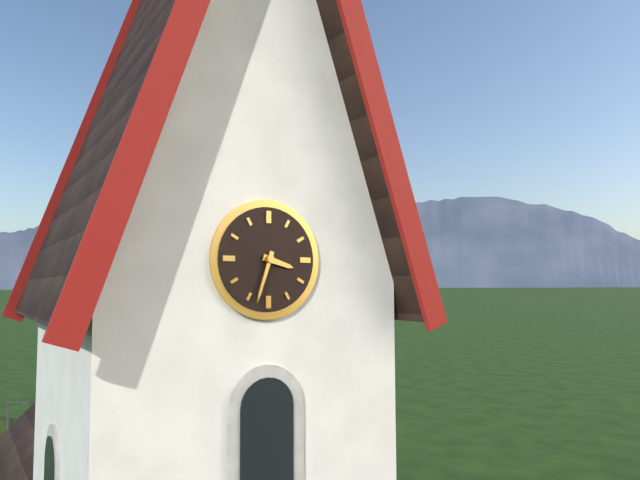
3,33
